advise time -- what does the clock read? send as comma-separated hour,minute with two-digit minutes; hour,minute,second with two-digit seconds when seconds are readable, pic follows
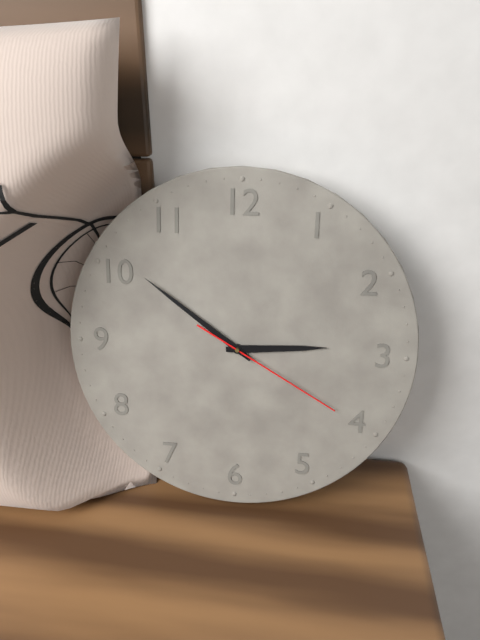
2,51,20
